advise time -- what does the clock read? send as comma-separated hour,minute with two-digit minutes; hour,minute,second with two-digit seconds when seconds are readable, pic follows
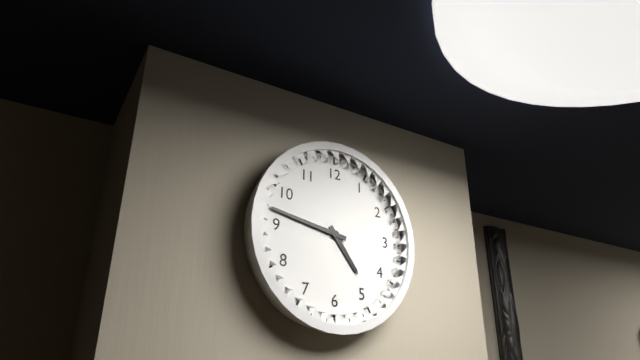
4,47
